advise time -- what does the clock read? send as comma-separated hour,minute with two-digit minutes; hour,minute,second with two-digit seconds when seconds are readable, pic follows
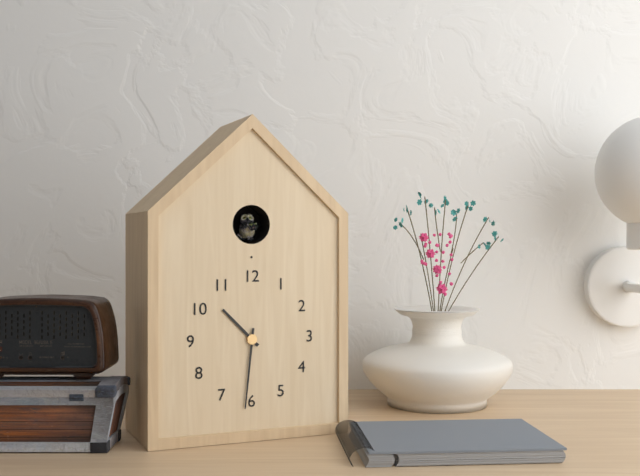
10,31
